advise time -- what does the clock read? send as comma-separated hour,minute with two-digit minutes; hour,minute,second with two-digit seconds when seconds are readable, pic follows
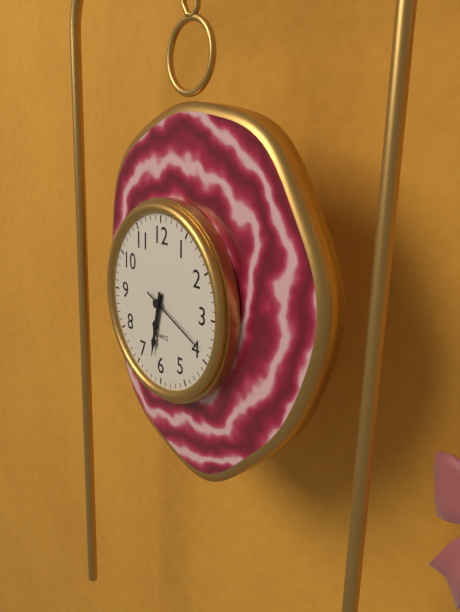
6,32,19
